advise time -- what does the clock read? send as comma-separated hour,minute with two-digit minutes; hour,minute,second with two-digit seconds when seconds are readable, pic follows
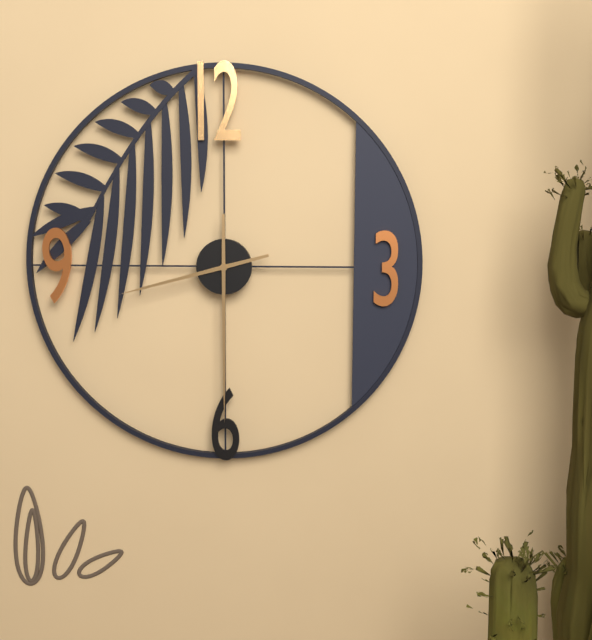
8,30
